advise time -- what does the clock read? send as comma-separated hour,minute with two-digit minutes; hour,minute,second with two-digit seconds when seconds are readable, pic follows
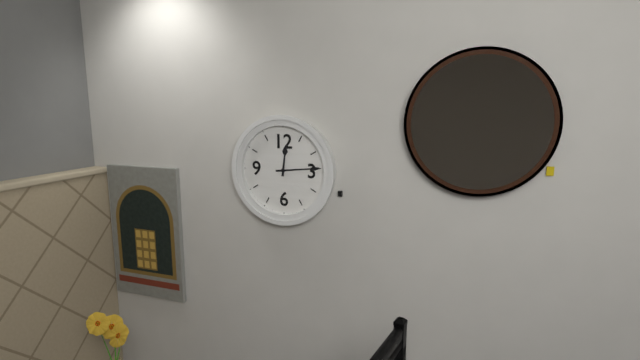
12,14
